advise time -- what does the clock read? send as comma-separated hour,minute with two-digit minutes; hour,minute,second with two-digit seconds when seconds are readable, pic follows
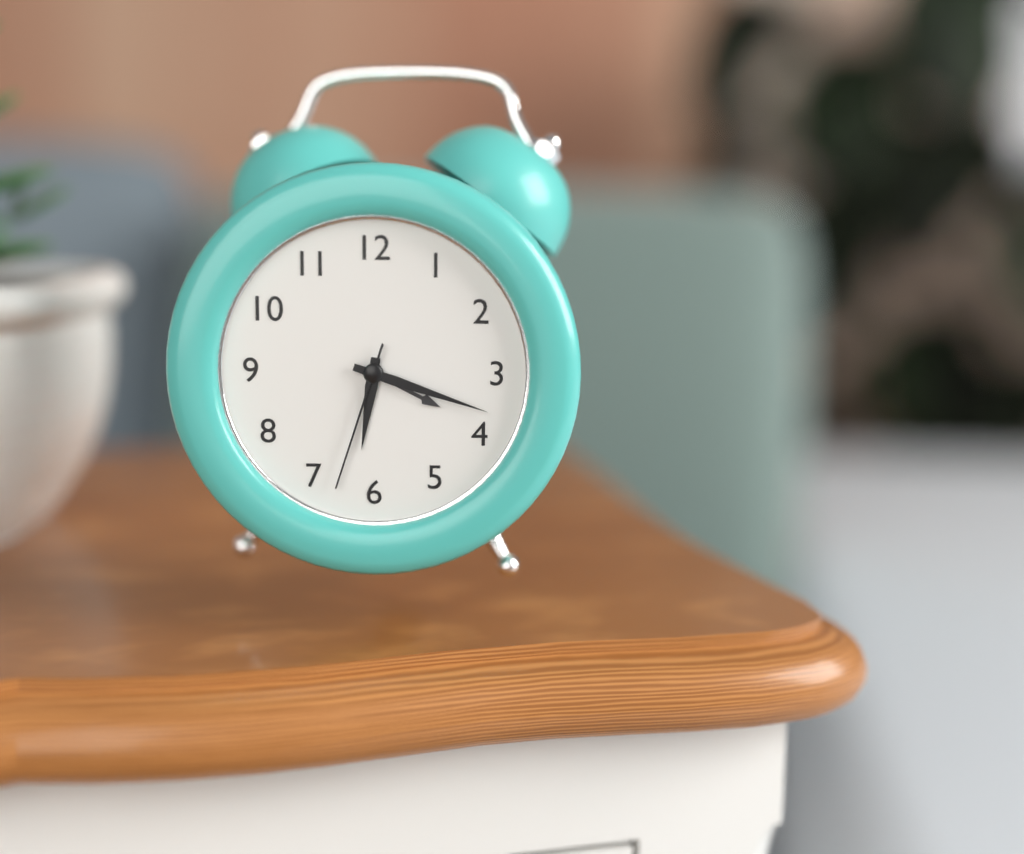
6,18,33
